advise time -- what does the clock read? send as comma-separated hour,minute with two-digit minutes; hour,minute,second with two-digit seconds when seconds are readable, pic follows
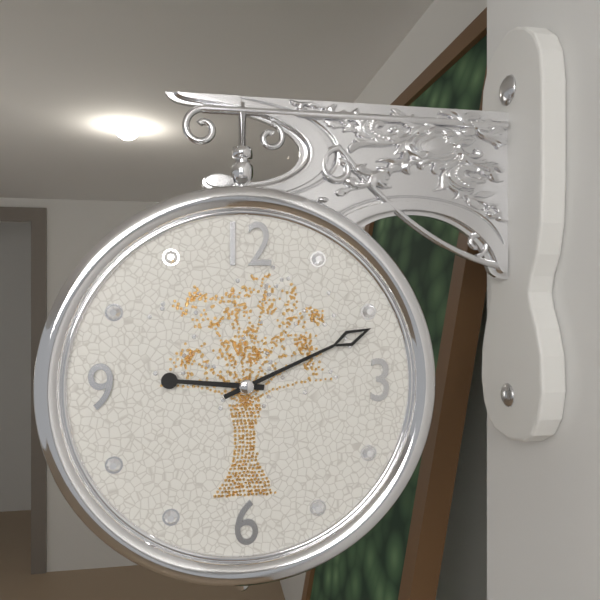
9,11
